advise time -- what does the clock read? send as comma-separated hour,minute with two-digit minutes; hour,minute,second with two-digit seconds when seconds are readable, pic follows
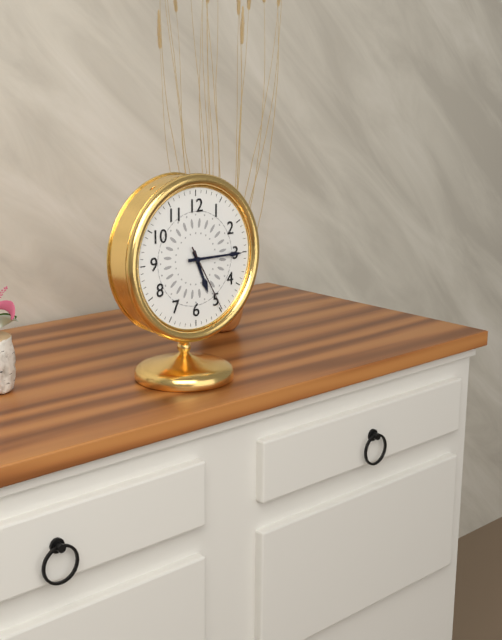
5,15,25
